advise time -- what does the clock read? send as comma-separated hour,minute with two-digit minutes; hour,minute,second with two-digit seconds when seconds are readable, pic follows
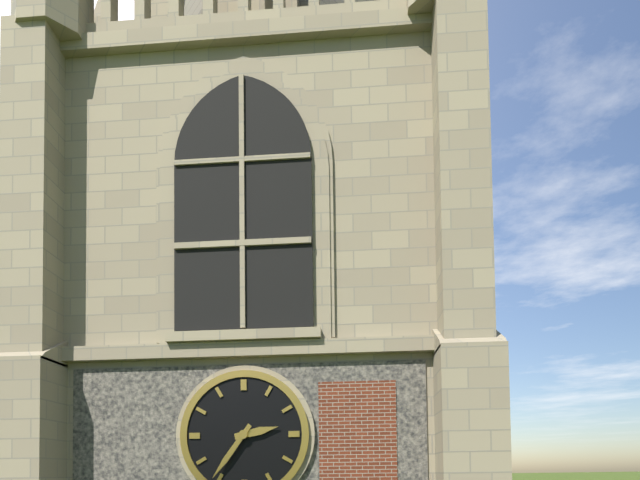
2,36
